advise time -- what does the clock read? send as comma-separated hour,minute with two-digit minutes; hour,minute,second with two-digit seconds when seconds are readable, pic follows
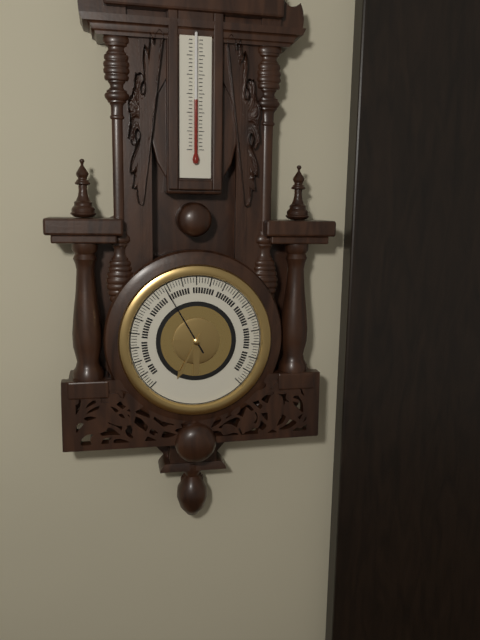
6,55
